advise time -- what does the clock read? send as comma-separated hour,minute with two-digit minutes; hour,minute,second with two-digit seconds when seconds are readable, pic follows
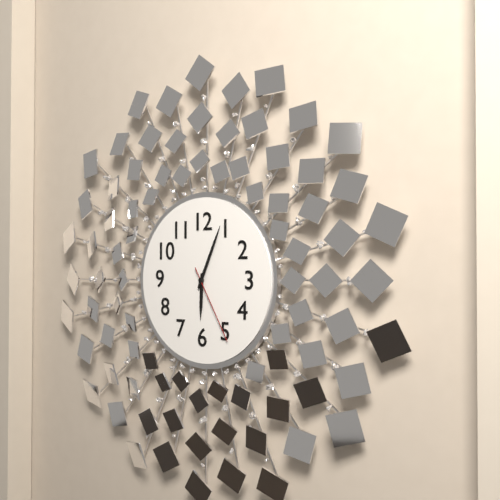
6,04,25
